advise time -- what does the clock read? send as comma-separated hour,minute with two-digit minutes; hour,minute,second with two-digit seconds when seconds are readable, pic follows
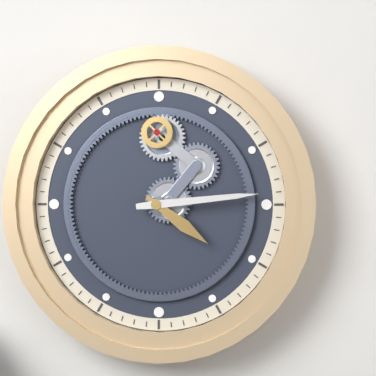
4,14
